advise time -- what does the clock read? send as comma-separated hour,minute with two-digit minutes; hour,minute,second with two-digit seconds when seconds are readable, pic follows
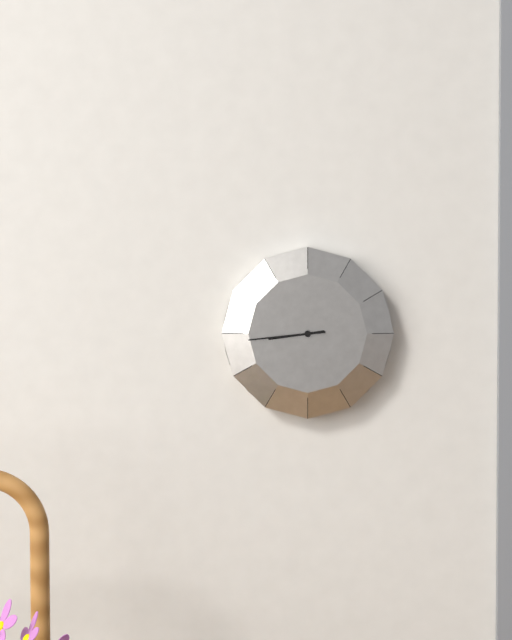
8,44
